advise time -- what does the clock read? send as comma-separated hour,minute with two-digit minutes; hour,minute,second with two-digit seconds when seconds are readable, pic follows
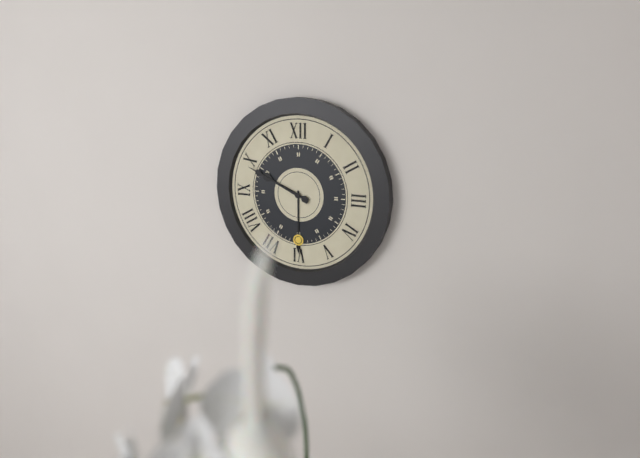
9,49
